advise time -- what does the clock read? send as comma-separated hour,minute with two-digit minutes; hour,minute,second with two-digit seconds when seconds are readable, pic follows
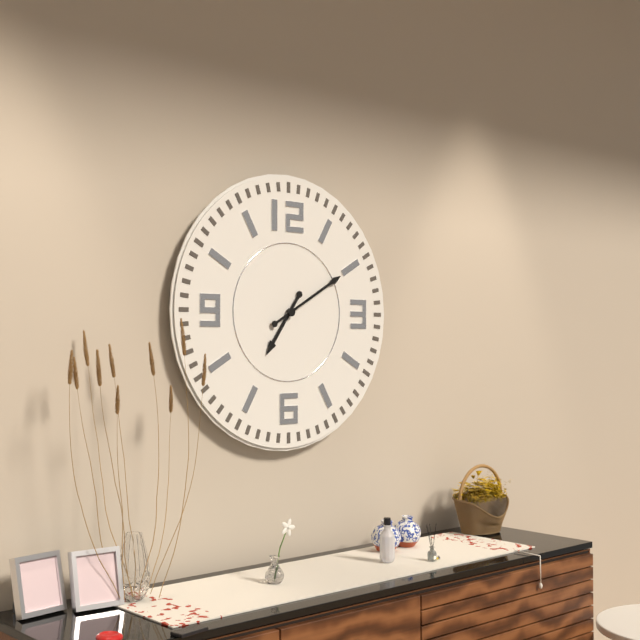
7,10
